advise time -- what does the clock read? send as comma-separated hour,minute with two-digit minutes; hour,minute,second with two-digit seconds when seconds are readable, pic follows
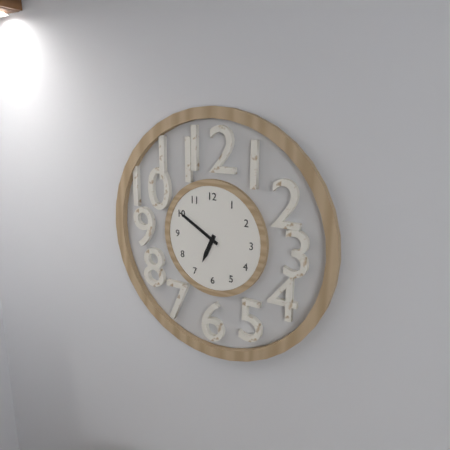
6,50
